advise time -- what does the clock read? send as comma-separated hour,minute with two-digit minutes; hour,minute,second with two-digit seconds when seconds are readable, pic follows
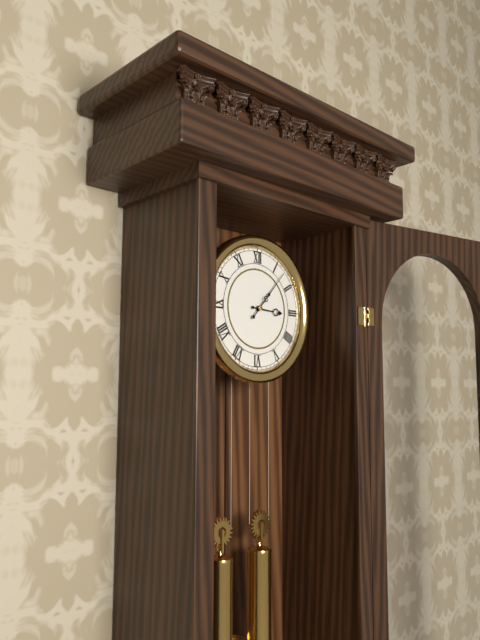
3,07
